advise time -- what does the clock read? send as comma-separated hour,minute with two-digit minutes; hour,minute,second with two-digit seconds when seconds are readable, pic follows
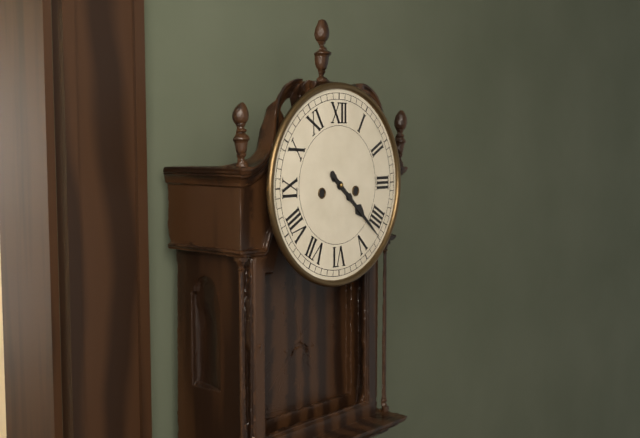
4,22
